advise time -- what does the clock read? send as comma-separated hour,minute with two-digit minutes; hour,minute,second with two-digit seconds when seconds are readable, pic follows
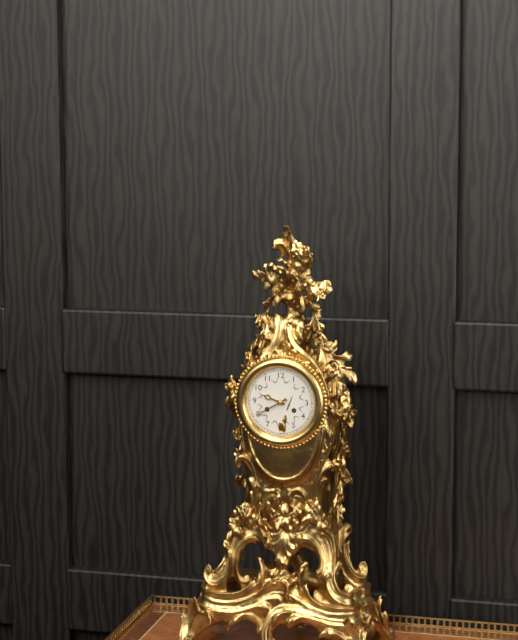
9,40
